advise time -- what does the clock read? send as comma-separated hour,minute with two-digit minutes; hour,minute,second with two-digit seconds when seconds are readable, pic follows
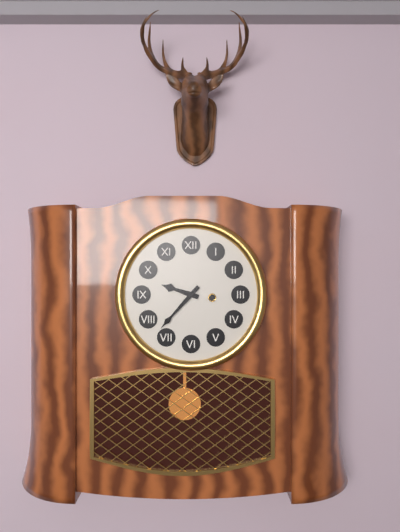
9,37
